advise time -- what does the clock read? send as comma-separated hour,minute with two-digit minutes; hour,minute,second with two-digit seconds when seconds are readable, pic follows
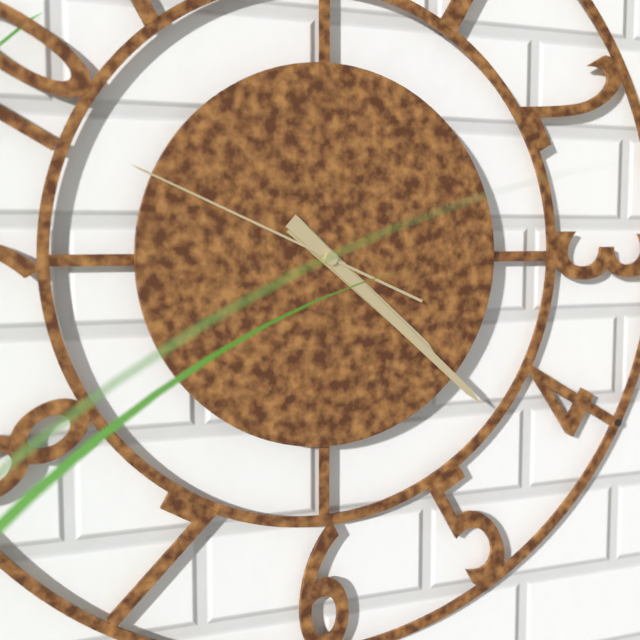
4,22,49
